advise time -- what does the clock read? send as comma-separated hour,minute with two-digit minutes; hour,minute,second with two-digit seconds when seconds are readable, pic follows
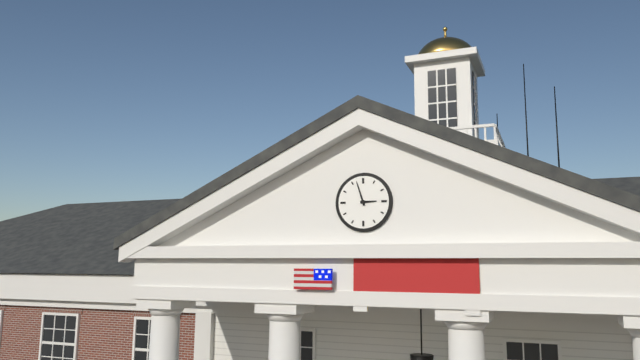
2,57
